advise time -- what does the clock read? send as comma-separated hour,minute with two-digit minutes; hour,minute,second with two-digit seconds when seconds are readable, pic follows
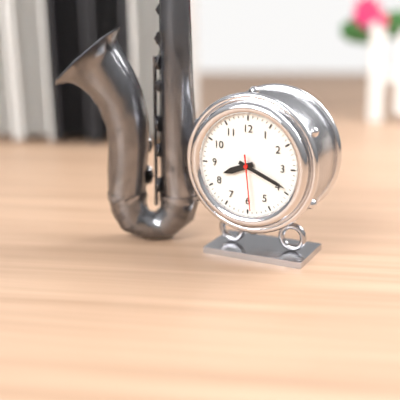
8,19,29
